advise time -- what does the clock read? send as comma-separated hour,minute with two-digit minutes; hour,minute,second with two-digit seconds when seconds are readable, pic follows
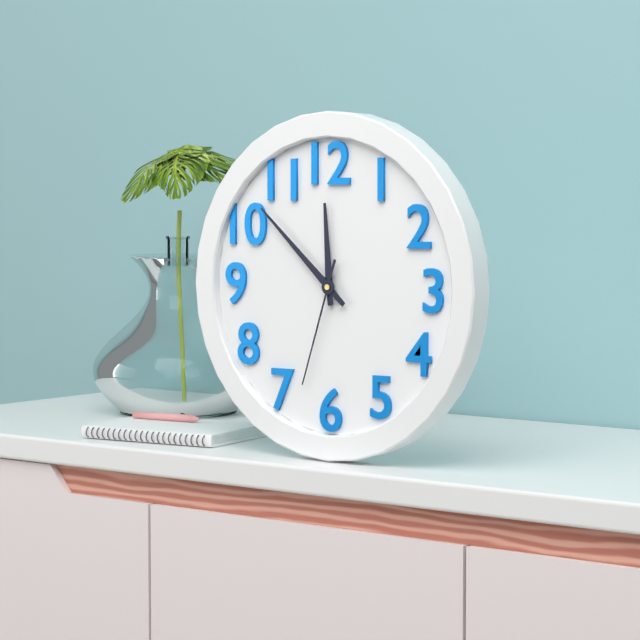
11,52,33
